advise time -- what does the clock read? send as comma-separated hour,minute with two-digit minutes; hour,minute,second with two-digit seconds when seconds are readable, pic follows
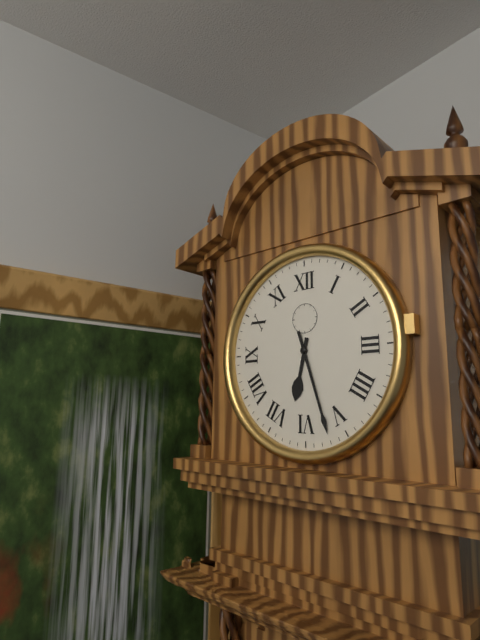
6,27
